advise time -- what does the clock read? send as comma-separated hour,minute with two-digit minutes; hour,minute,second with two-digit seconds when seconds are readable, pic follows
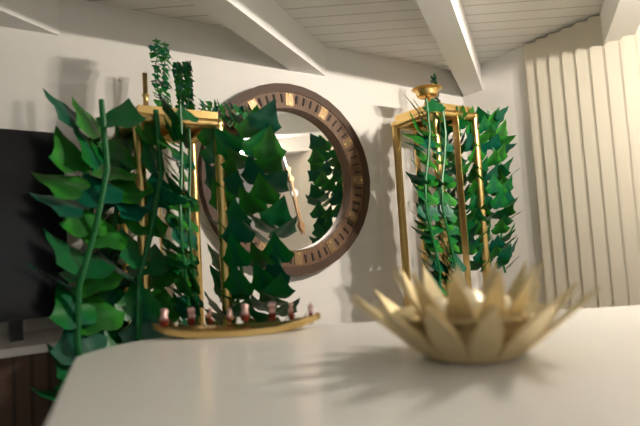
11,28
